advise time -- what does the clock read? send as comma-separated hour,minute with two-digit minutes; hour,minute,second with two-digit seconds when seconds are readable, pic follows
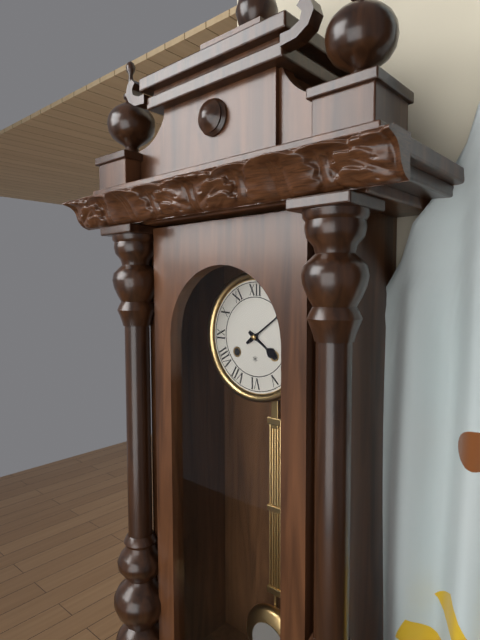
4,09
